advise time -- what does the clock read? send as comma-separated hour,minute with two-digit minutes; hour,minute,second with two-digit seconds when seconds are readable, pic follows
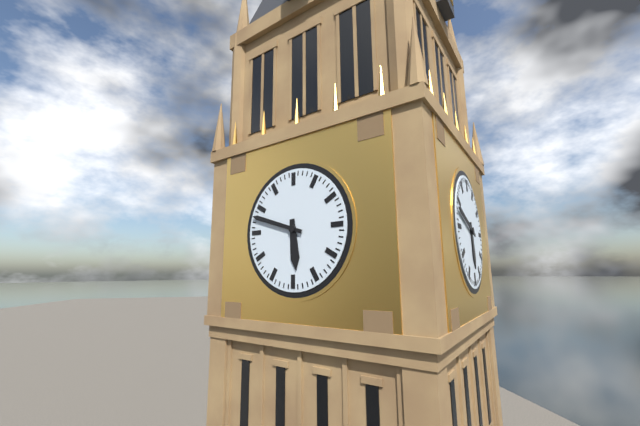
5,48
